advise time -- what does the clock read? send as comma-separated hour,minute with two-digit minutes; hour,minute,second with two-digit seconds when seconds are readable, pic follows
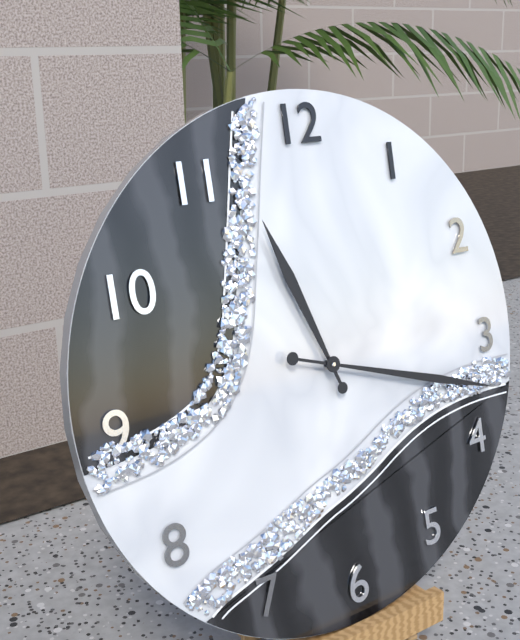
11,18
